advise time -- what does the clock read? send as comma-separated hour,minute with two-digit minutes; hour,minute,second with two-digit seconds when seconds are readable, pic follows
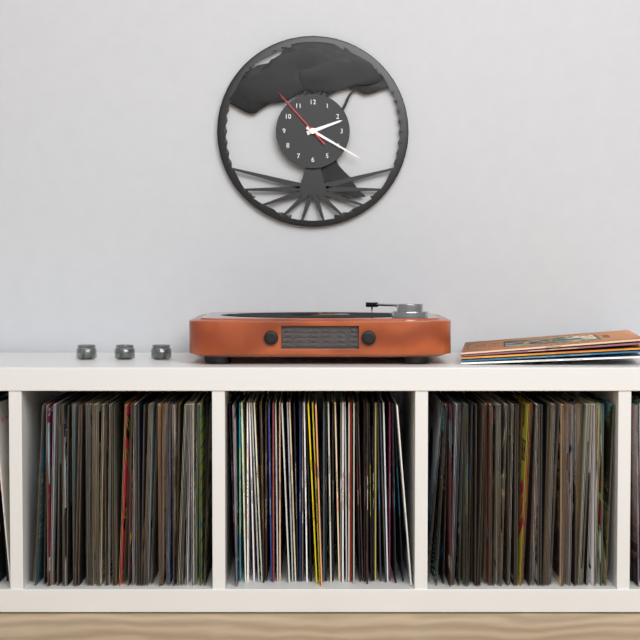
2,20,53
